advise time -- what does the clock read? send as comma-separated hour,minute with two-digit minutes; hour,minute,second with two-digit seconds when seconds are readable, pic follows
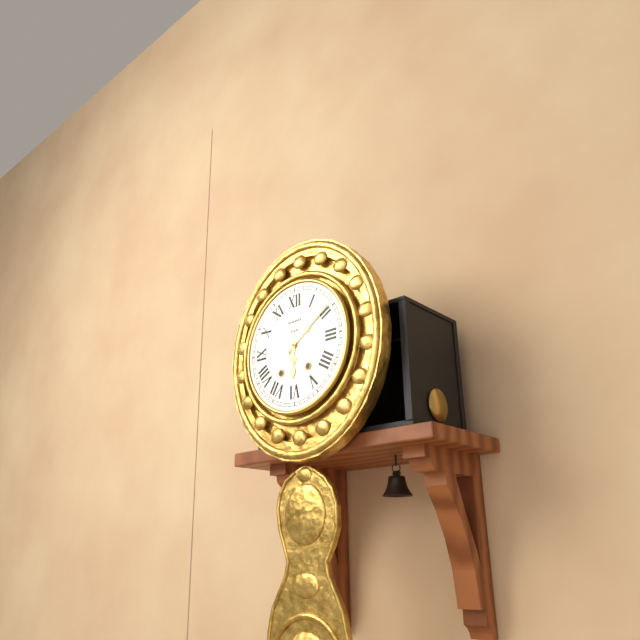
6,09
